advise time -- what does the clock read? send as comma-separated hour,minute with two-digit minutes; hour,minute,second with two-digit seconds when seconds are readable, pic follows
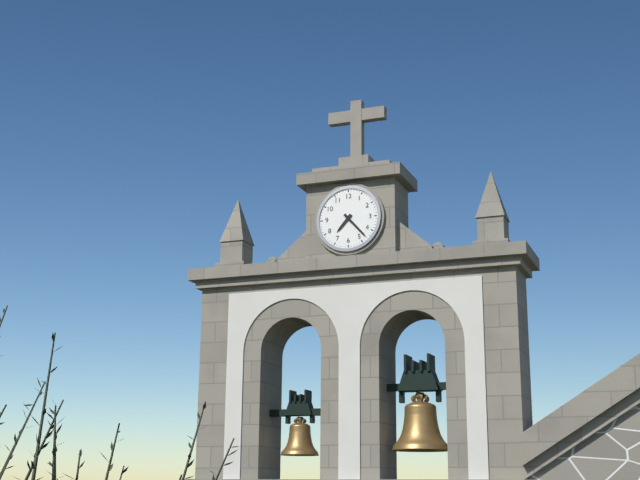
7,23
